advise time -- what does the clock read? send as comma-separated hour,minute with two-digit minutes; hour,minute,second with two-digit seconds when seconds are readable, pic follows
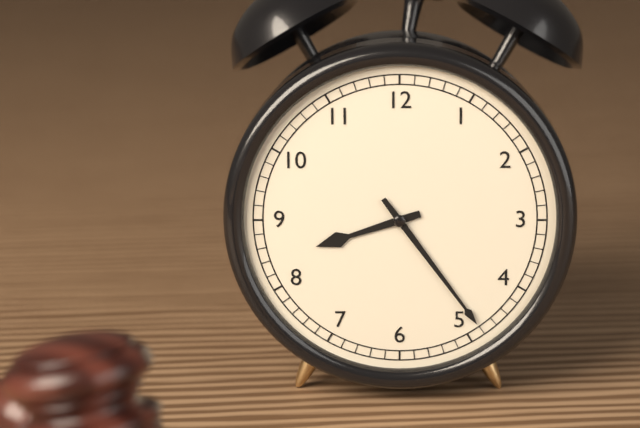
8,24
